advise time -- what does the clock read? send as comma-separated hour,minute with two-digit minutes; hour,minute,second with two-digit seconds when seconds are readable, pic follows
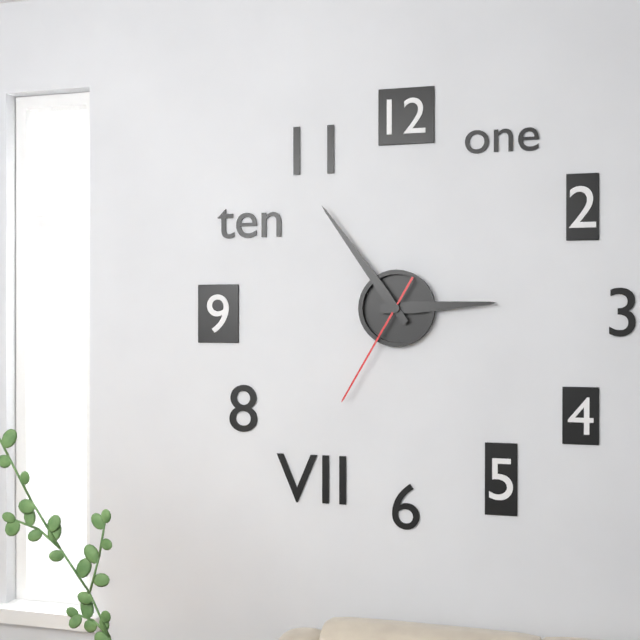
2,54,35
